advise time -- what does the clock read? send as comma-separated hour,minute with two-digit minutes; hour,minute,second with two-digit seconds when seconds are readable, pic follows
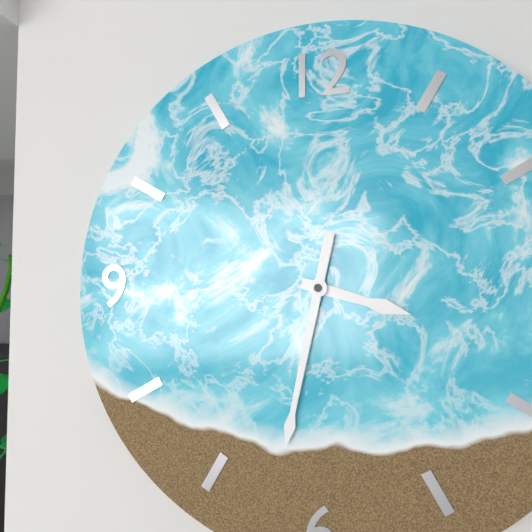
3,32
